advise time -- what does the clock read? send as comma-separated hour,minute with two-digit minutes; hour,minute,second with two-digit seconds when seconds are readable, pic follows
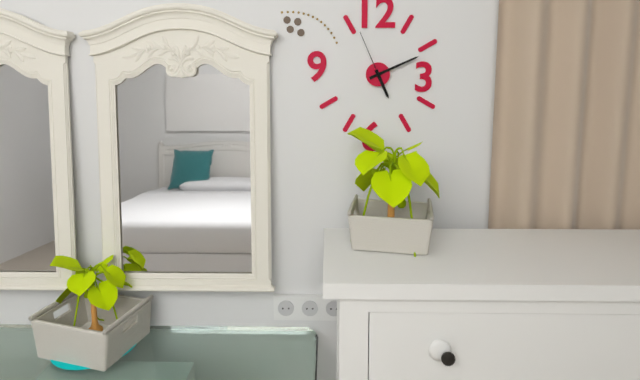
5,11,56
